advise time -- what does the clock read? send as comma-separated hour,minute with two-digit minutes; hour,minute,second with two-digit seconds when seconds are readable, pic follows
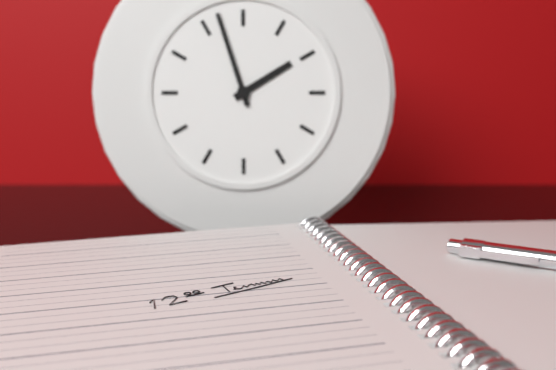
1,57
